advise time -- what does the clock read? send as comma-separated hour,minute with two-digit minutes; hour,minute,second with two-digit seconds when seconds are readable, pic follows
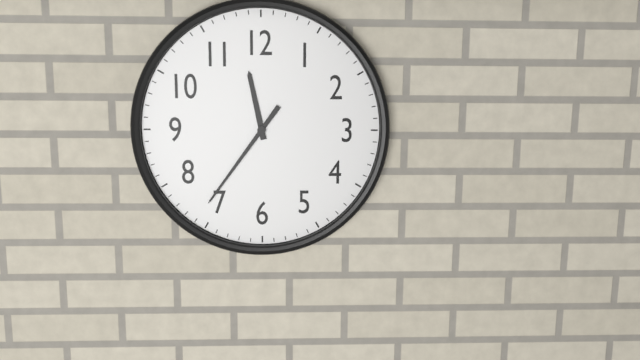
11,36
